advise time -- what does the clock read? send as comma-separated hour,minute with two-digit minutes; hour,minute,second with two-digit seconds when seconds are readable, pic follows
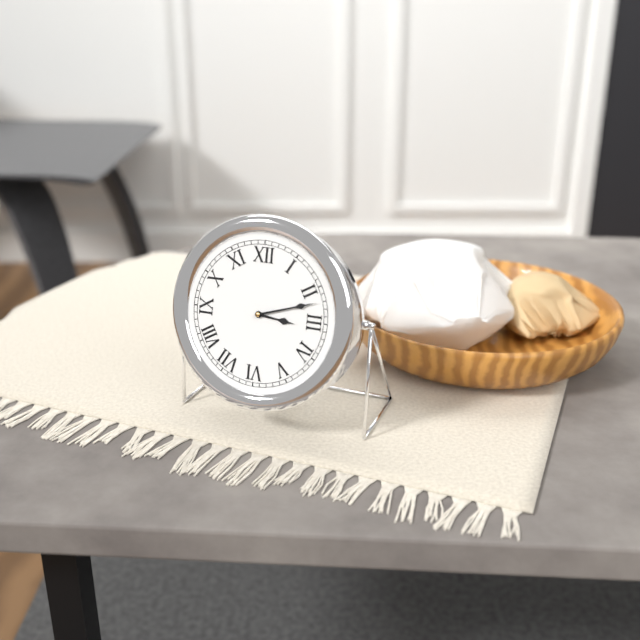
3,12
